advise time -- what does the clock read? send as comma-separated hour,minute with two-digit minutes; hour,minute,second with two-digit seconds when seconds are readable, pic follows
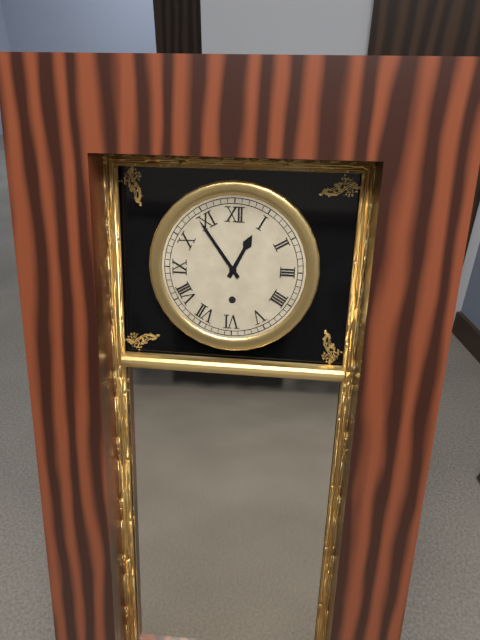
12,54
